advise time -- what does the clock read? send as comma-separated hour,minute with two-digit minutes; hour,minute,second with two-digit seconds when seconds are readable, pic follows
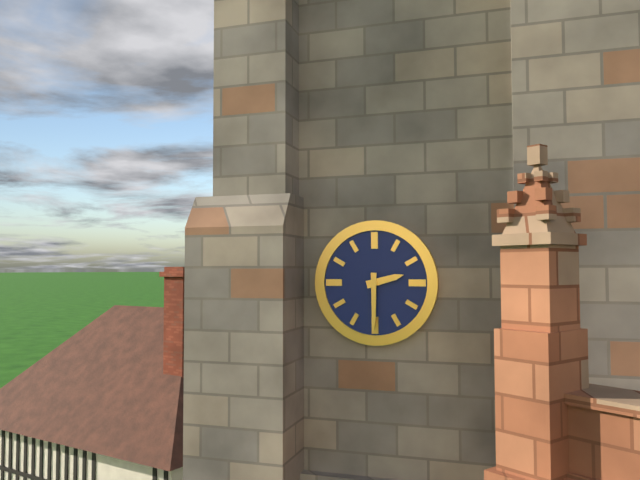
2,30
